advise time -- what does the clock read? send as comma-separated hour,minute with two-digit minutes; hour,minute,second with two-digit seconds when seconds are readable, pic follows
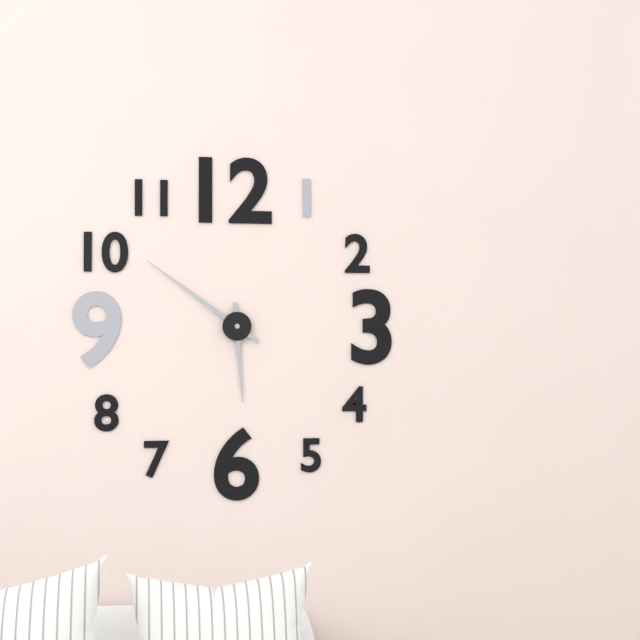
5,51
